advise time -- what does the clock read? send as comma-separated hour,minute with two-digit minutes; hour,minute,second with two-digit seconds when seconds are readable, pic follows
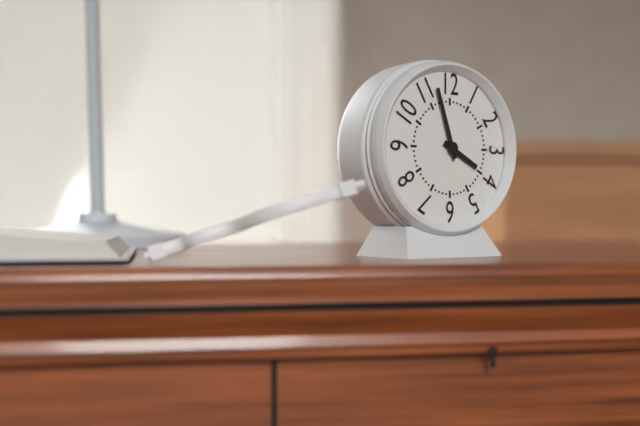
3,57
